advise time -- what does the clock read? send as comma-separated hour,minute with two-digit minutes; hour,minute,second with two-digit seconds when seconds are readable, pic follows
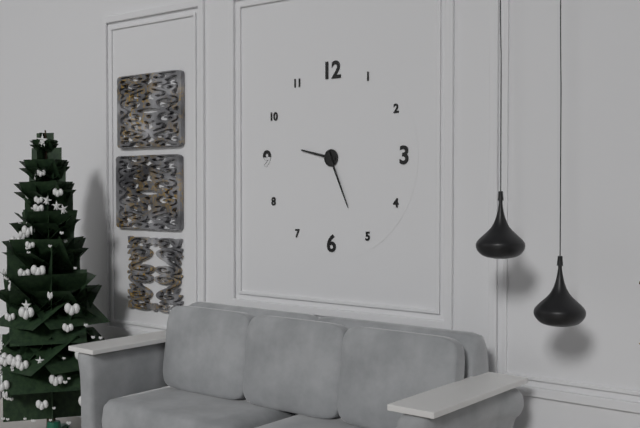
9,26
